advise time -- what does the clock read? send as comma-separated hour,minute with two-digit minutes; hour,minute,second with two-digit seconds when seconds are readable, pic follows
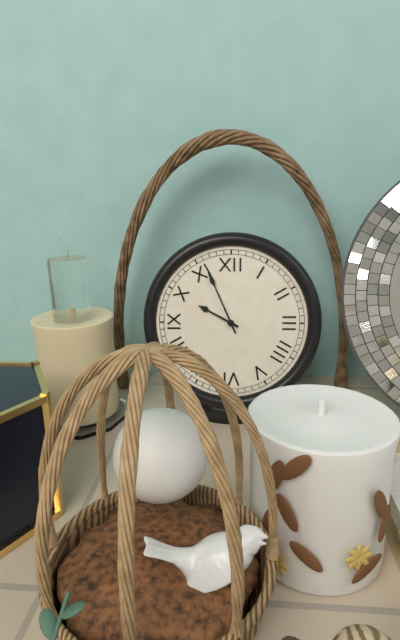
9,56
